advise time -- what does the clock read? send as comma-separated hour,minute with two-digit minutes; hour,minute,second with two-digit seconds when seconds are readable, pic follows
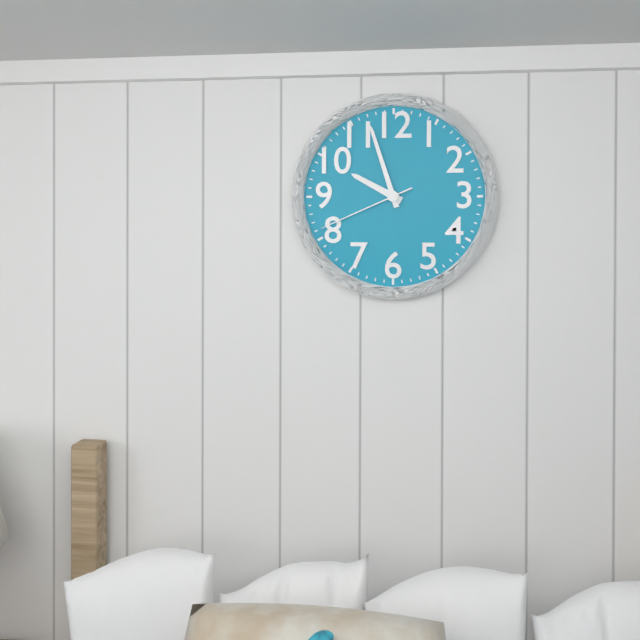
9,57,41
